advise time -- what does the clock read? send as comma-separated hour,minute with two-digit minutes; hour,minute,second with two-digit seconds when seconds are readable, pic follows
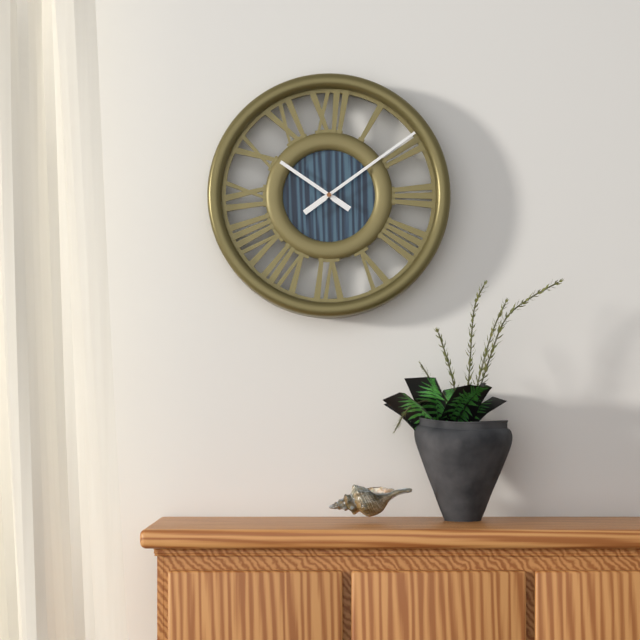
10,09
